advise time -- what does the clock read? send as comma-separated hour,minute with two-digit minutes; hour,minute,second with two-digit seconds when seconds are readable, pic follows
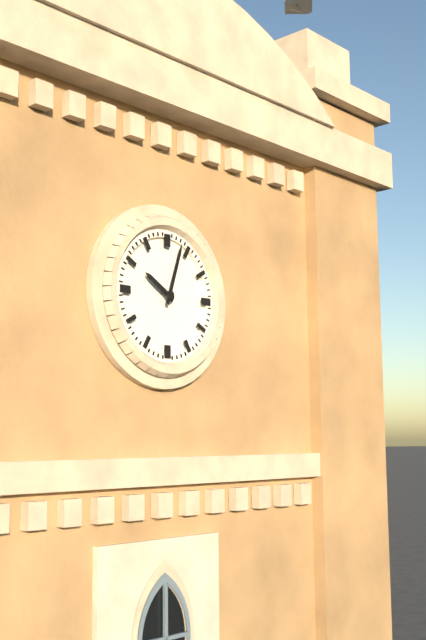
10,03
